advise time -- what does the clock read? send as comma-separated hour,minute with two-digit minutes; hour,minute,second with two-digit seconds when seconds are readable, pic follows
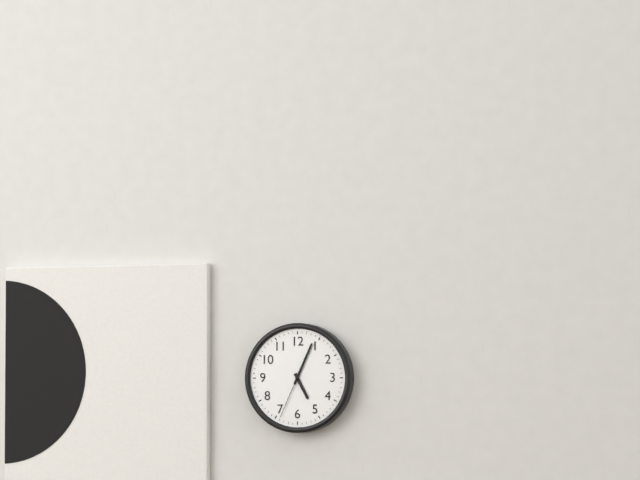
5,04,34
